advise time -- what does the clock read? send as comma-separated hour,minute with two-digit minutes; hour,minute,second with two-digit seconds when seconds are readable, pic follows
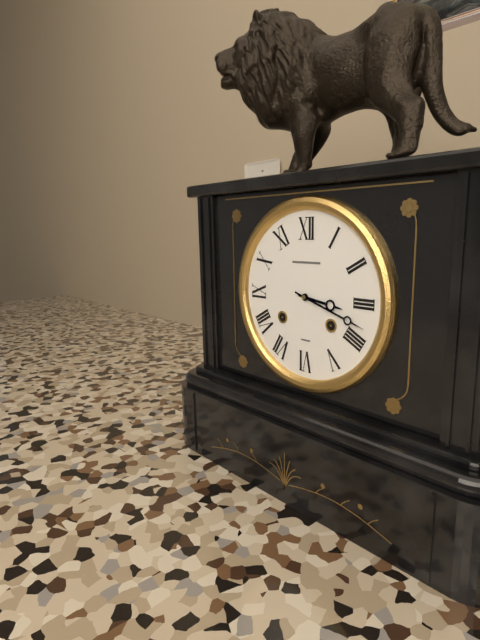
3,18
